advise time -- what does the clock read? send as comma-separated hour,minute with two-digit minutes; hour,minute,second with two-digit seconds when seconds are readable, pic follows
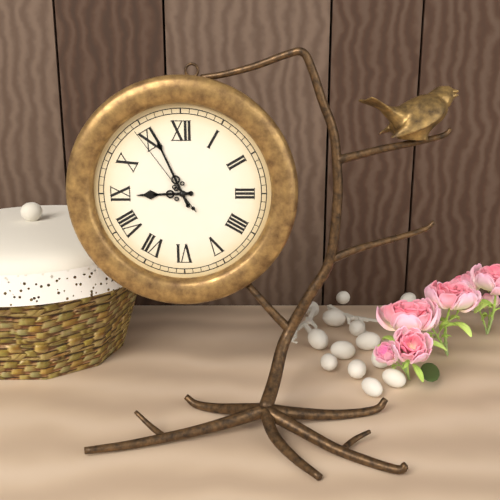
8,56,54
